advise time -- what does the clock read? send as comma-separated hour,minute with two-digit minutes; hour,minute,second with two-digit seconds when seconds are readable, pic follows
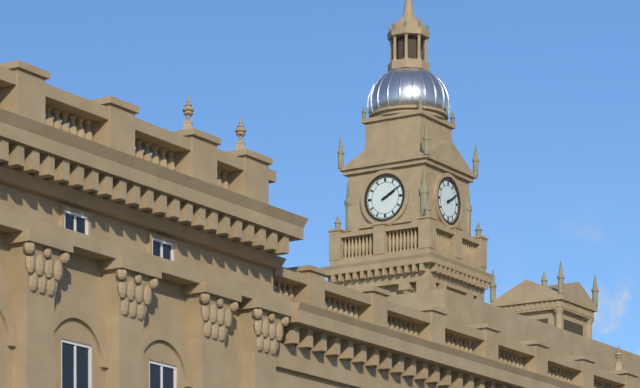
2,10
